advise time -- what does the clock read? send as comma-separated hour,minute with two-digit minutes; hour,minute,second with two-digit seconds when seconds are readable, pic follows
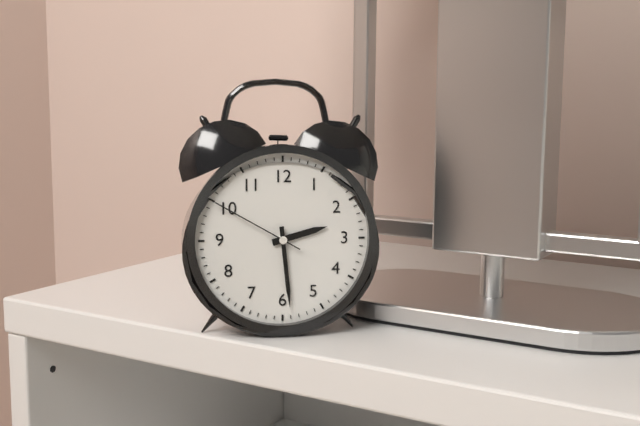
2,29,50
